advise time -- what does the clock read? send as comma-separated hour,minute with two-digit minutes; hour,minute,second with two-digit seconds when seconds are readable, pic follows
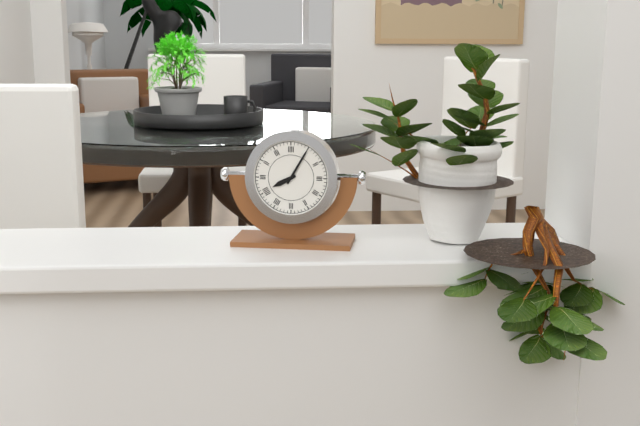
8,05
